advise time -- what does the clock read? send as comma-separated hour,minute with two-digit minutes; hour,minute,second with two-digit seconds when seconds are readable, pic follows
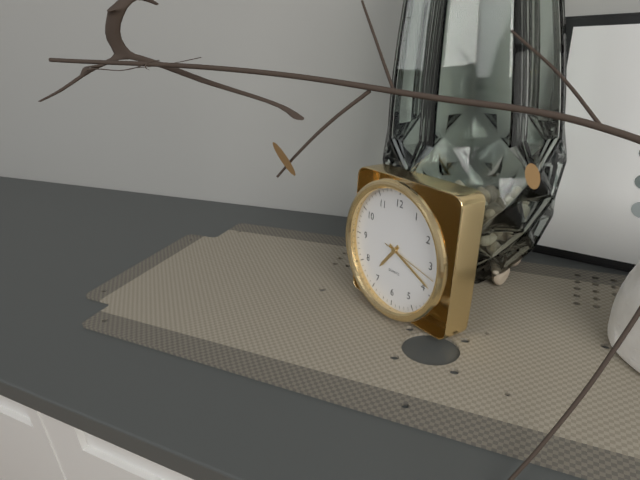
7,19,17
